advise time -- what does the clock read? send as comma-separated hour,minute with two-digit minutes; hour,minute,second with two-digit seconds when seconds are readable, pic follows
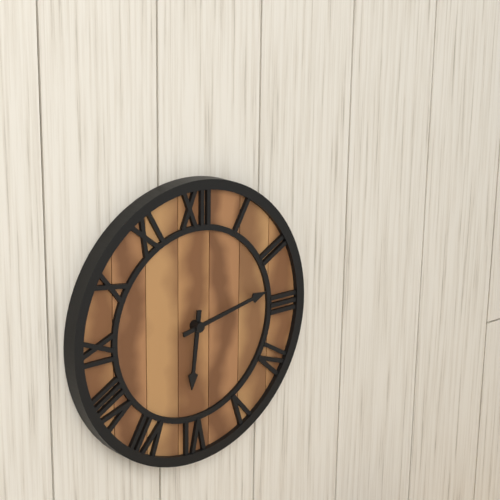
6,13
